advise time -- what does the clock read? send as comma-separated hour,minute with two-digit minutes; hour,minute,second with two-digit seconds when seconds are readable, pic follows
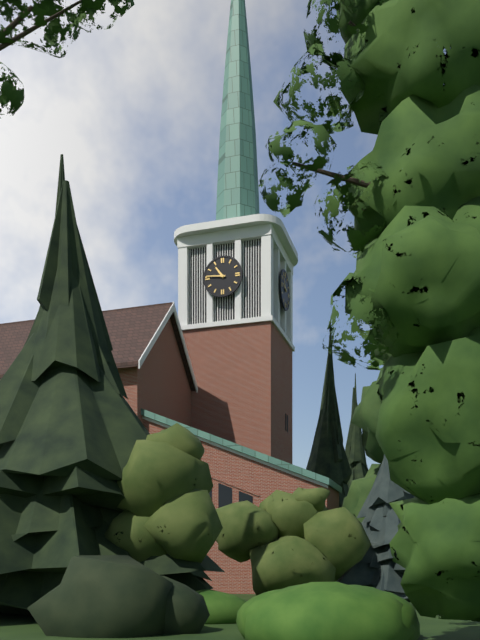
10,46
